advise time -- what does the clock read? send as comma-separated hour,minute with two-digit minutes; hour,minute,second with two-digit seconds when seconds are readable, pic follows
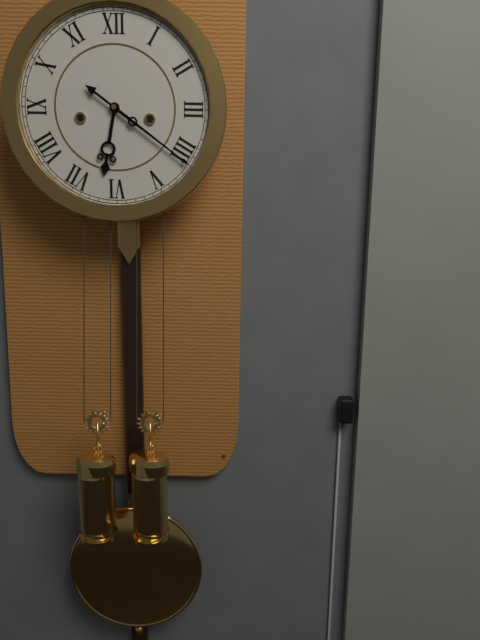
6,21
